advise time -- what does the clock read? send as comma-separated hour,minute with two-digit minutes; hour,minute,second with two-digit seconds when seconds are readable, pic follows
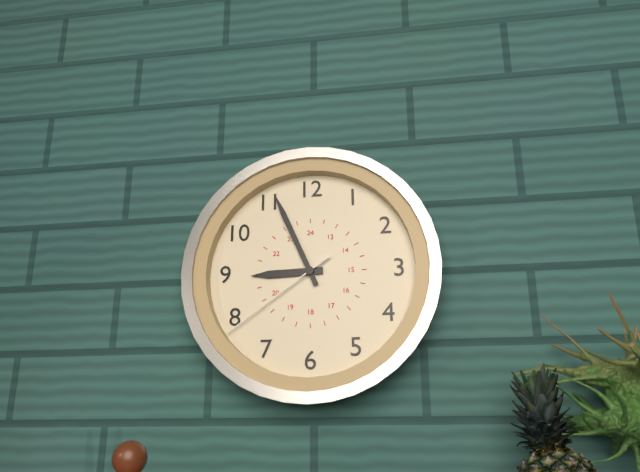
8,56,39
